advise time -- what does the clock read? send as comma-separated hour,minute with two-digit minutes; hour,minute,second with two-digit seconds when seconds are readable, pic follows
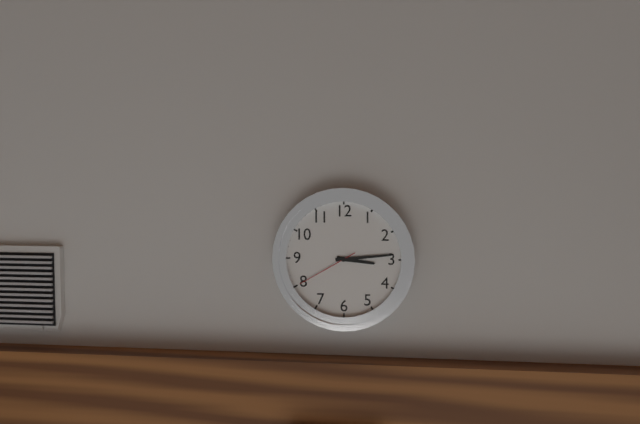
3,14,40
